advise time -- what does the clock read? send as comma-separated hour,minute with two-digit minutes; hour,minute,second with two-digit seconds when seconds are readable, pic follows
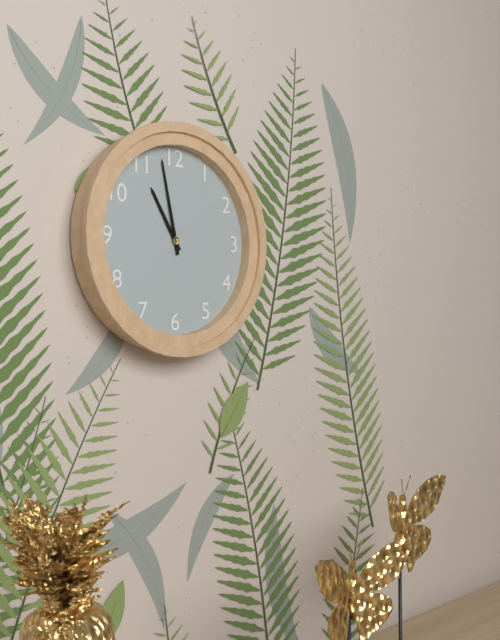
10,58
